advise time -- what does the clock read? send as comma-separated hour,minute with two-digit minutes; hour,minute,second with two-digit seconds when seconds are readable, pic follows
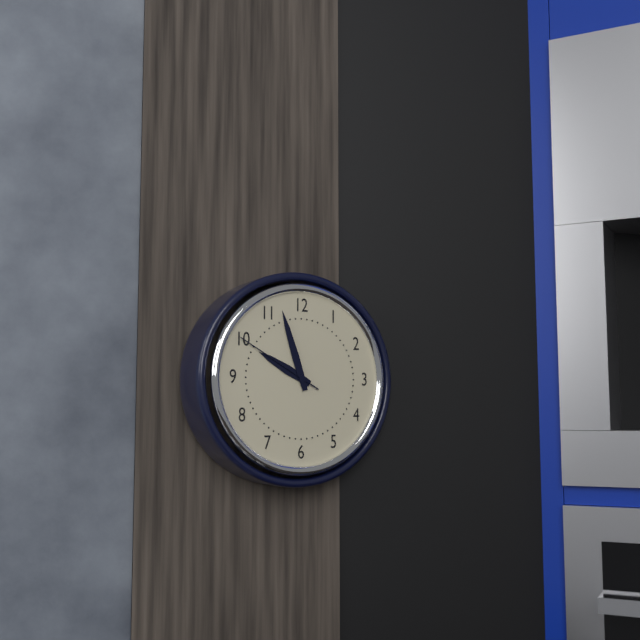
9,57,50
